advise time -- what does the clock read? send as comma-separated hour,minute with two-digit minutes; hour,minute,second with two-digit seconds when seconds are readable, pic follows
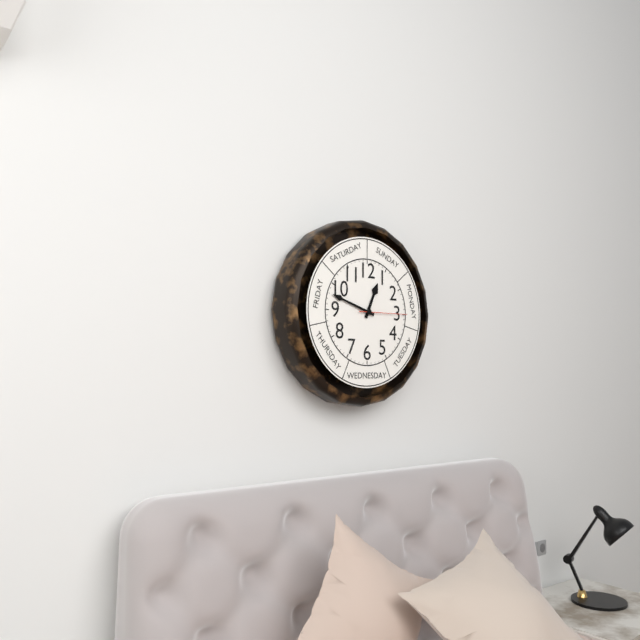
12,48,15
